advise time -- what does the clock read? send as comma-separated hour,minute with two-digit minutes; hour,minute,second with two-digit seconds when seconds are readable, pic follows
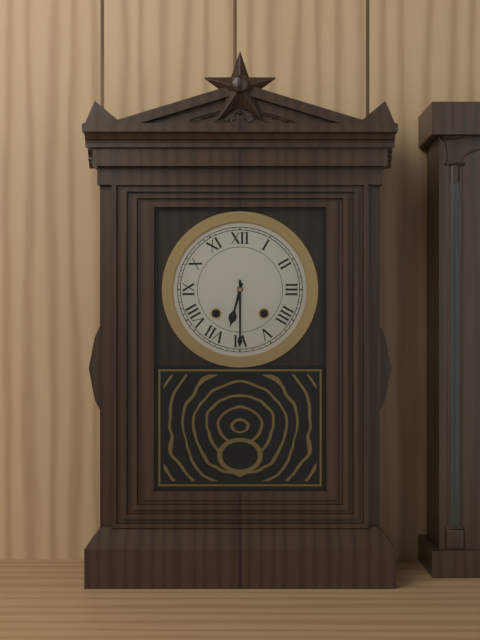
6,30
